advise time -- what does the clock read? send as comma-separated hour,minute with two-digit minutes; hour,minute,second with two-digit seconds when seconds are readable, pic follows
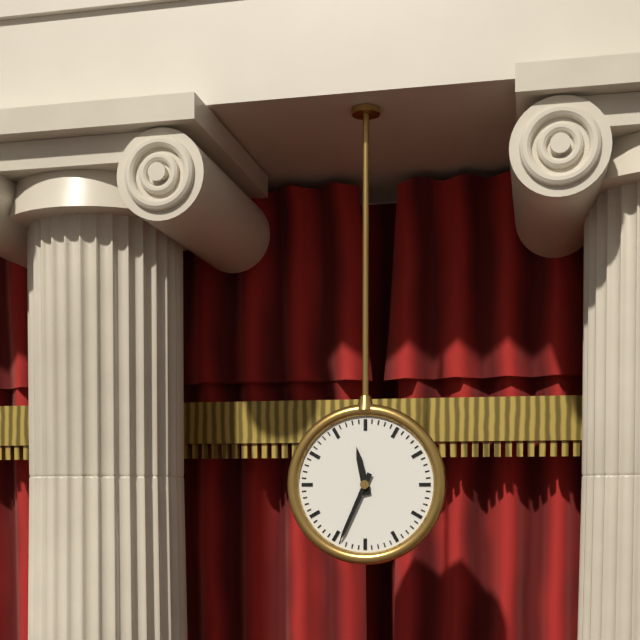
11,34
